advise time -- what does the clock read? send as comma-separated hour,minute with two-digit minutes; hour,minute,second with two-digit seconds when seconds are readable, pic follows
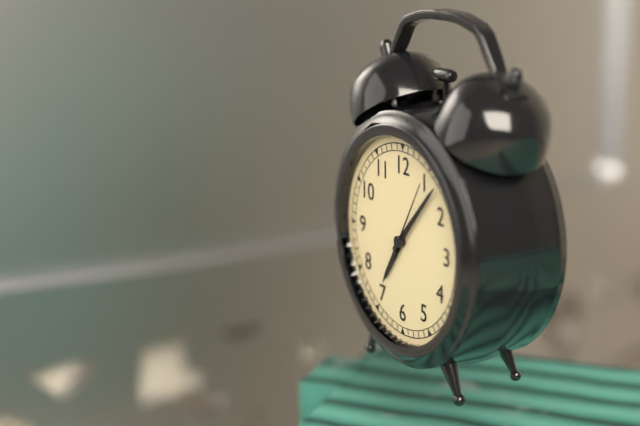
7,07,05
